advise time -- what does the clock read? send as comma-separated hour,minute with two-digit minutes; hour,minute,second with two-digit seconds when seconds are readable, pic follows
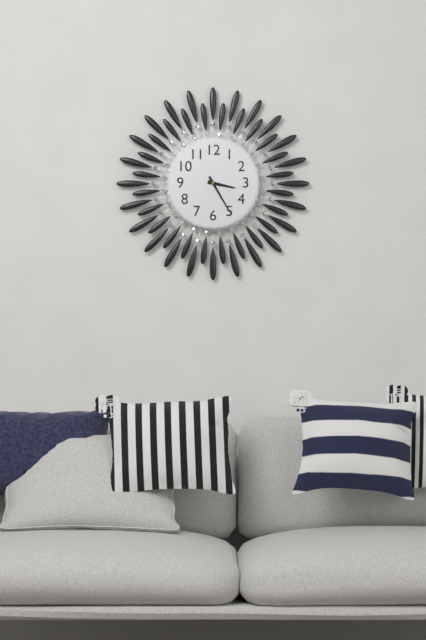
3,25
